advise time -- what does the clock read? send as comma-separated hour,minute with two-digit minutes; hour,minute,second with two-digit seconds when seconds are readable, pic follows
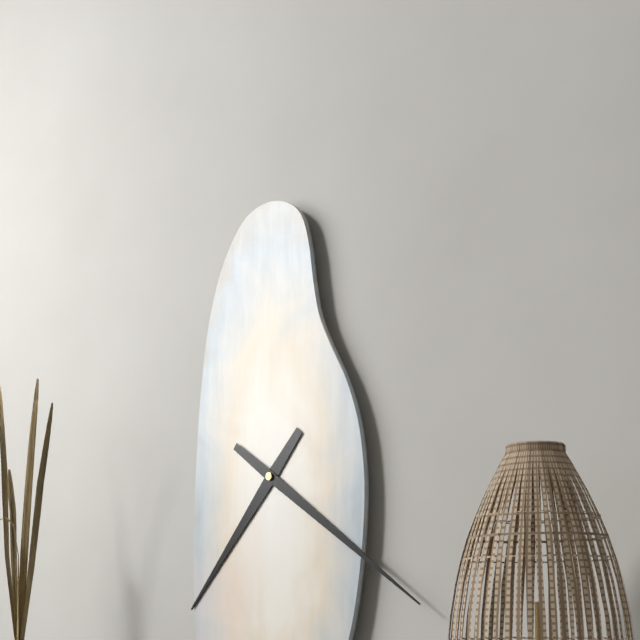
7,21
